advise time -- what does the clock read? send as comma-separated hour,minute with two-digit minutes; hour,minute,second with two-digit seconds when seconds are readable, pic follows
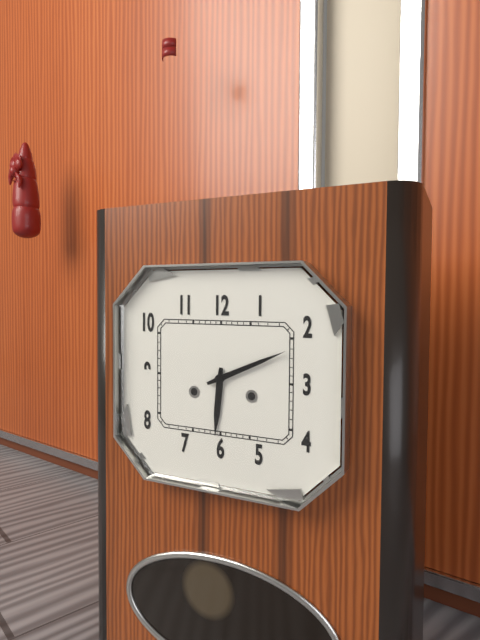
6,11
